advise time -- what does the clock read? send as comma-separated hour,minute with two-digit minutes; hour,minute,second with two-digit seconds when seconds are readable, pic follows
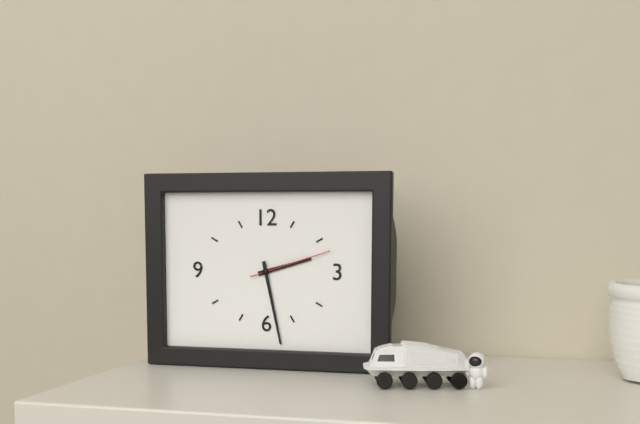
2,28,12
